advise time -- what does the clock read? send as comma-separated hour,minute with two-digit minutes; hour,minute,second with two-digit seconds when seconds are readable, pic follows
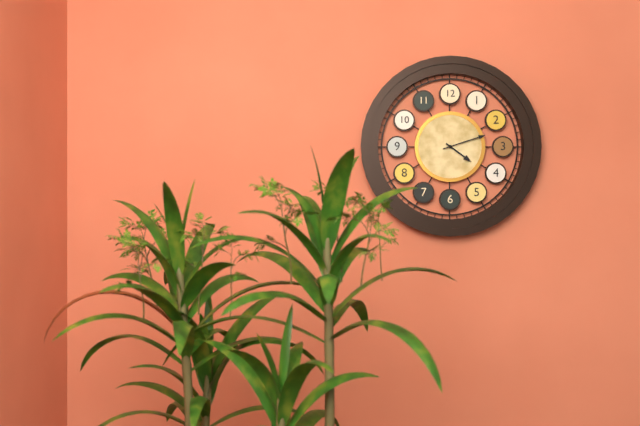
4,12
